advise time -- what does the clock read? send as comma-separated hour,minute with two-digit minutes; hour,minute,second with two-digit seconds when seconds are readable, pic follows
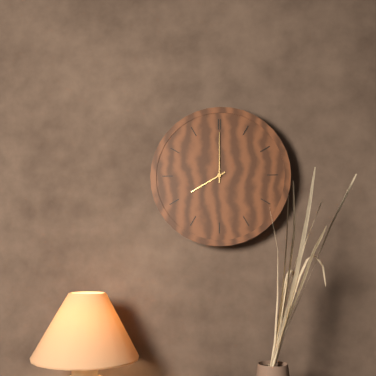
8,00
